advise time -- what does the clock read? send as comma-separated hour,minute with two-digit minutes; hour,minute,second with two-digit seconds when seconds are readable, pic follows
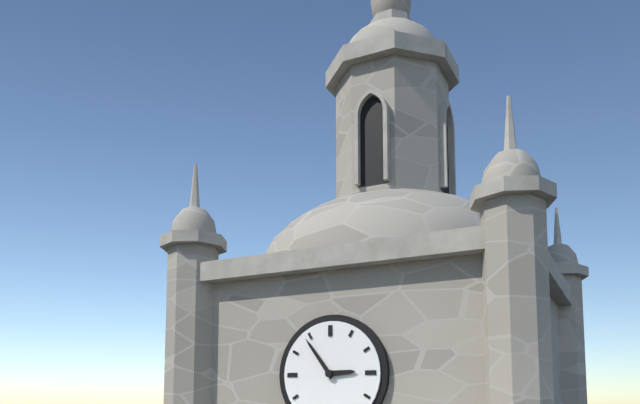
2,54
